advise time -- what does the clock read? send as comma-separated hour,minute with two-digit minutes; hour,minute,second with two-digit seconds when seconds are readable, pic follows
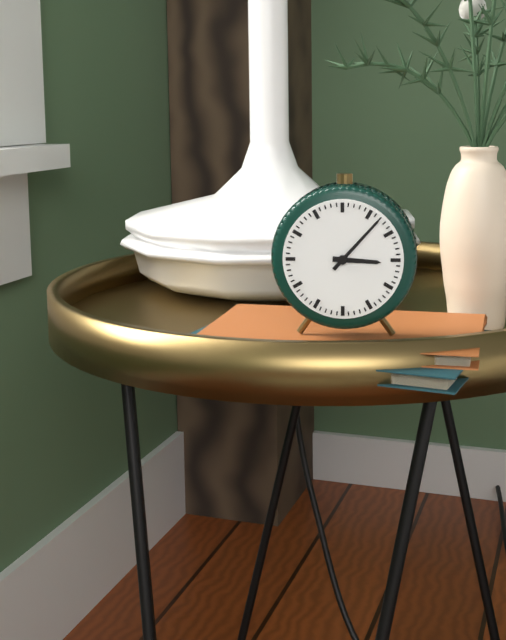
3,07
